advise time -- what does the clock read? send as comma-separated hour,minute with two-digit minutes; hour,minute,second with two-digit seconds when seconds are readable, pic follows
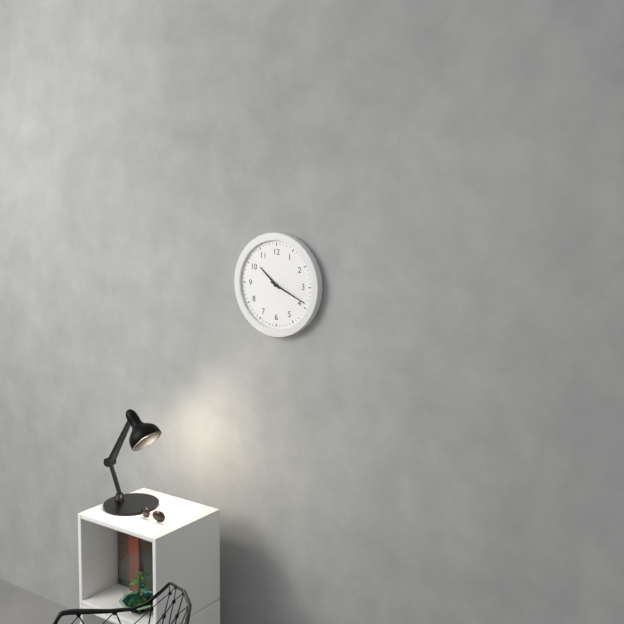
10,19
